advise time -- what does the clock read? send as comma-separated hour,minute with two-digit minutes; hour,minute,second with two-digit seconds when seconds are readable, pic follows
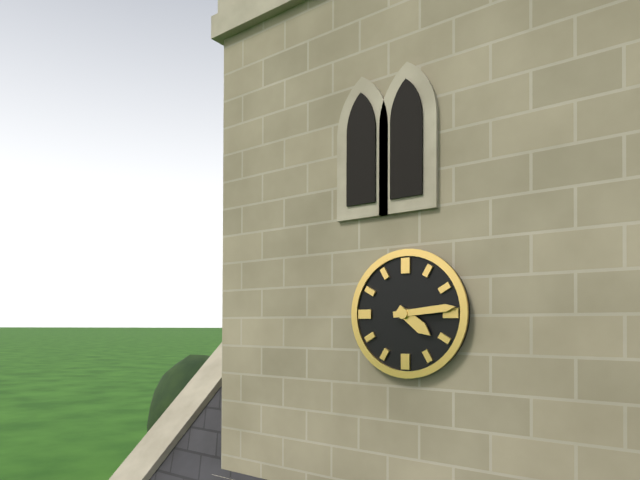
4,14
